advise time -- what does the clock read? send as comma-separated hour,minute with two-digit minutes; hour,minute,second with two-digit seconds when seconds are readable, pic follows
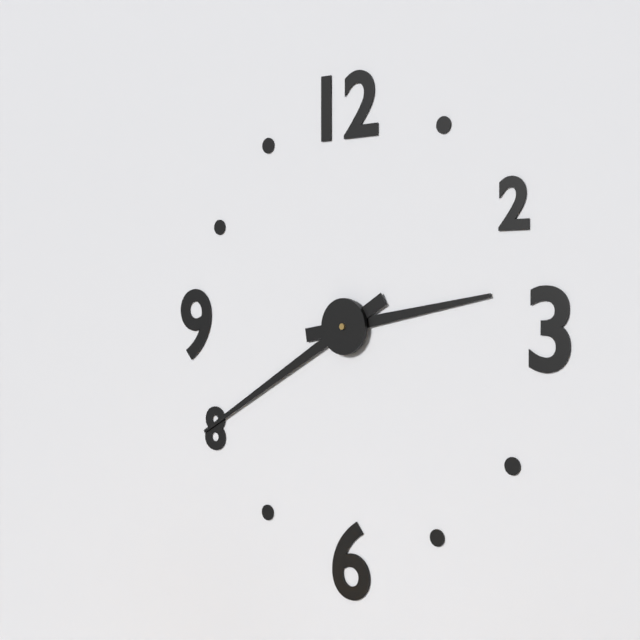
2,40
